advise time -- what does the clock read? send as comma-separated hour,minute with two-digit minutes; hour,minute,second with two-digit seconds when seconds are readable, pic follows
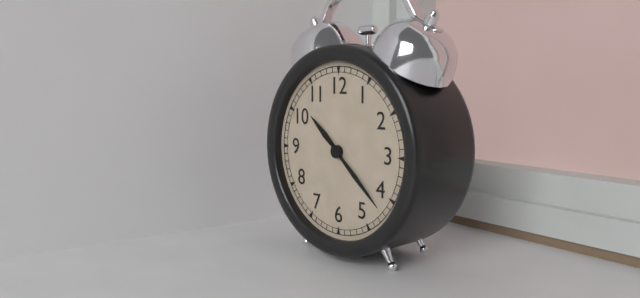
10,22
